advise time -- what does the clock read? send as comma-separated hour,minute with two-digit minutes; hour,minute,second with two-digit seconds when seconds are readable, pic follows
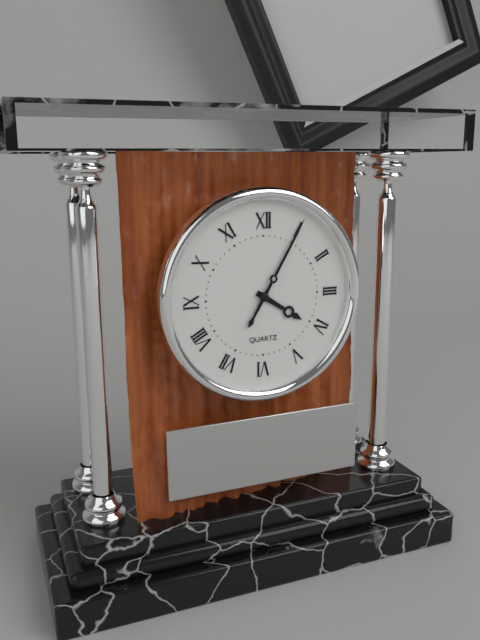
4,05
